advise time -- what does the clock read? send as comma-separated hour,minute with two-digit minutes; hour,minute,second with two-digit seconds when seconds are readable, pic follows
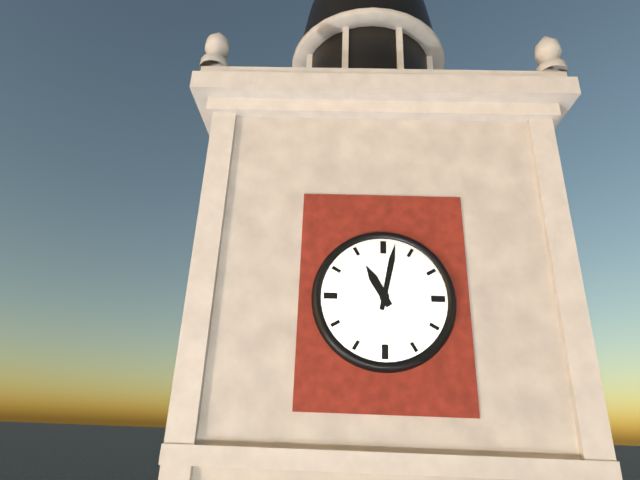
11,02
